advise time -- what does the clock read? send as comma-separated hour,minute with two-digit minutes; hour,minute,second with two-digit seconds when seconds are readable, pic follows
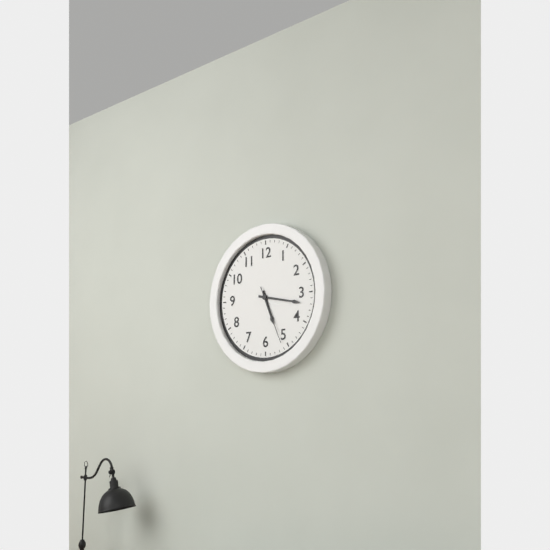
5,17,26
